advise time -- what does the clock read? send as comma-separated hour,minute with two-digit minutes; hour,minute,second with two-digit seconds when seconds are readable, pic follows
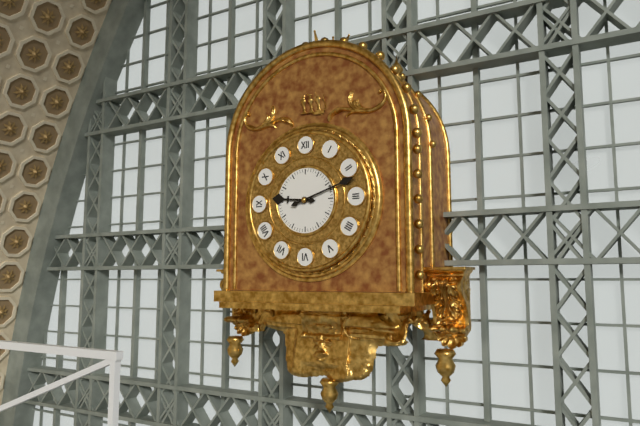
9,12
